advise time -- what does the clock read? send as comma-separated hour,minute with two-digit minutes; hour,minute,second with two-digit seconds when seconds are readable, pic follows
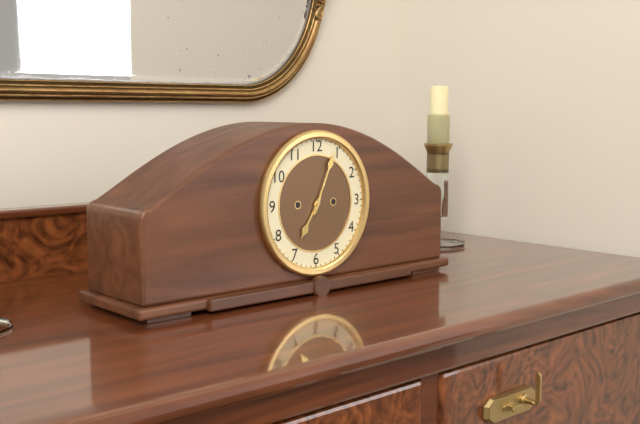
7,04
